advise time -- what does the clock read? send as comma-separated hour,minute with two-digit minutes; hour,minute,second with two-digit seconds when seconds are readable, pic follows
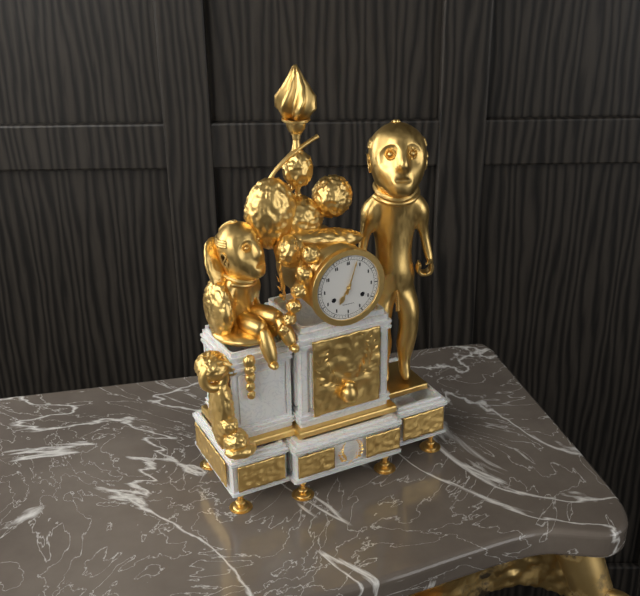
7,03
